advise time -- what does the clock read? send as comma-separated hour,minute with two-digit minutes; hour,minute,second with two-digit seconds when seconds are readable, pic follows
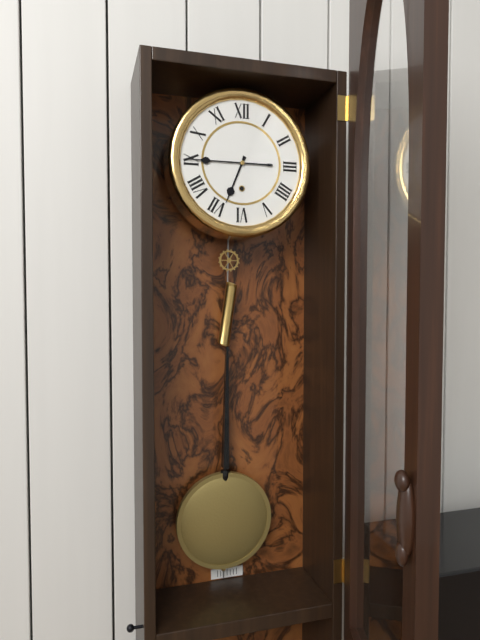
6,45
